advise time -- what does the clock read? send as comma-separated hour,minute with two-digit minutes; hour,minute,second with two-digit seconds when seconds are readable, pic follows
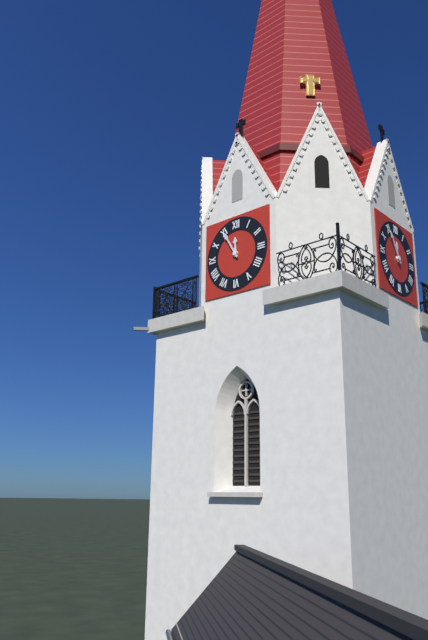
11,55
